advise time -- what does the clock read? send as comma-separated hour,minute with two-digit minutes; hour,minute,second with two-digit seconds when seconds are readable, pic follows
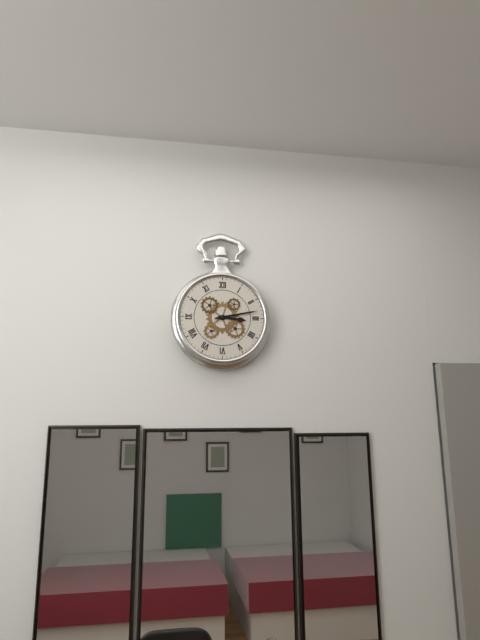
3,13
